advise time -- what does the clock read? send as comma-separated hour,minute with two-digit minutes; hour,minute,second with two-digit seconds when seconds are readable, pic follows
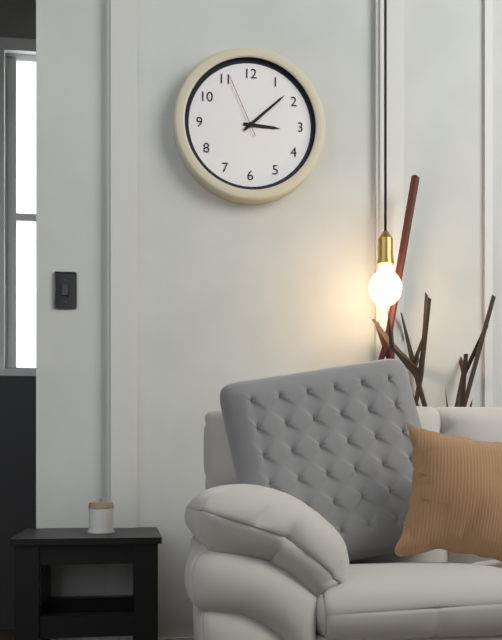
3,08,56
